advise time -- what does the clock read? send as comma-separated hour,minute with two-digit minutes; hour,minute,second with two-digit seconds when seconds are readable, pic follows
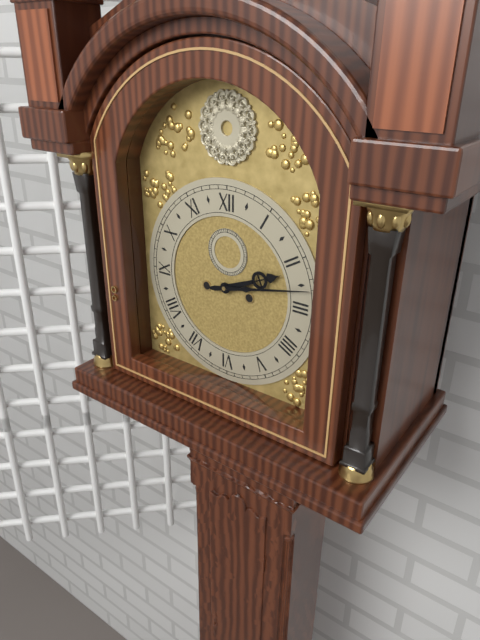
2,13
